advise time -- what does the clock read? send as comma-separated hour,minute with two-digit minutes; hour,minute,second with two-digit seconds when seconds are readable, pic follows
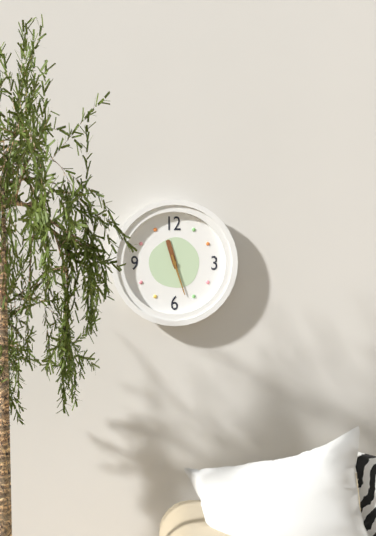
11,27
